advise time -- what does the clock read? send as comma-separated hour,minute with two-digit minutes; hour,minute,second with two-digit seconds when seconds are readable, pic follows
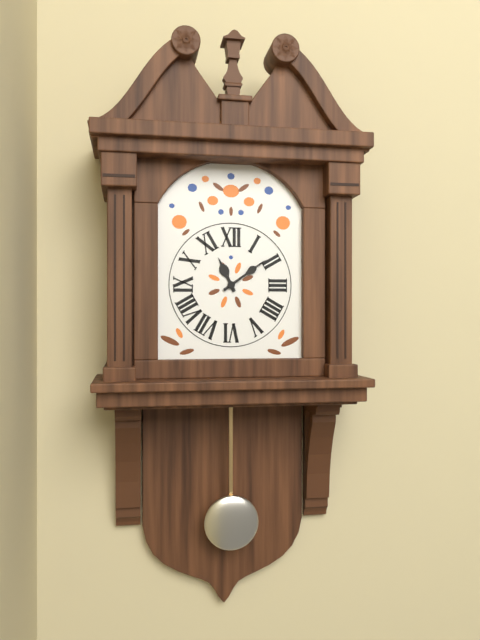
11,09
